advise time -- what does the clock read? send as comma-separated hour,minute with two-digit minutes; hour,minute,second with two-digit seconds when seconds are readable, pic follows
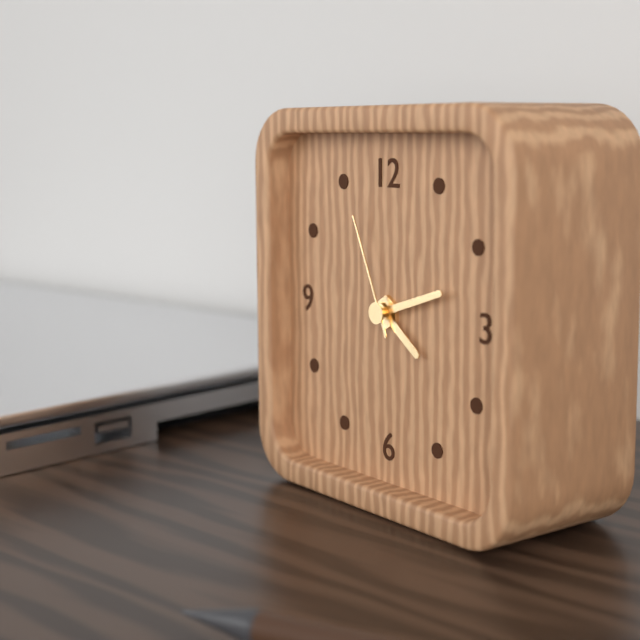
4,12,56
